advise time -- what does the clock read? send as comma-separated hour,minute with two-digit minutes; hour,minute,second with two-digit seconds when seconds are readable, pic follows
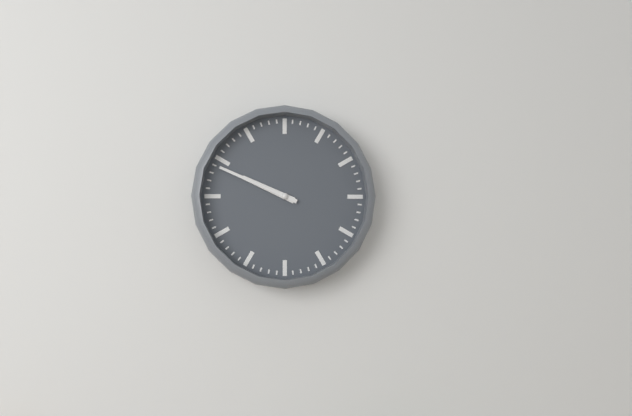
9,49
